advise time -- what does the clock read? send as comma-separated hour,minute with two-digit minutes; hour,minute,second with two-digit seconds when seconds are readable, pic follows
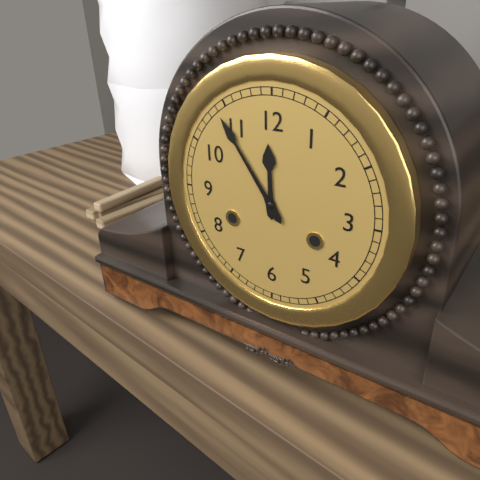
11,54
